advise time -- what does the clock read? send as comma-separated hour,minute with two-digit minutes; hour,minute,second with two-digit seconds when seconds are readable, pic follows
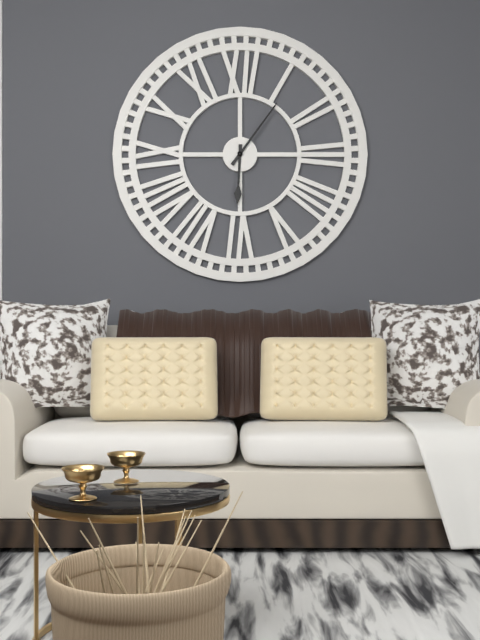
6,06
